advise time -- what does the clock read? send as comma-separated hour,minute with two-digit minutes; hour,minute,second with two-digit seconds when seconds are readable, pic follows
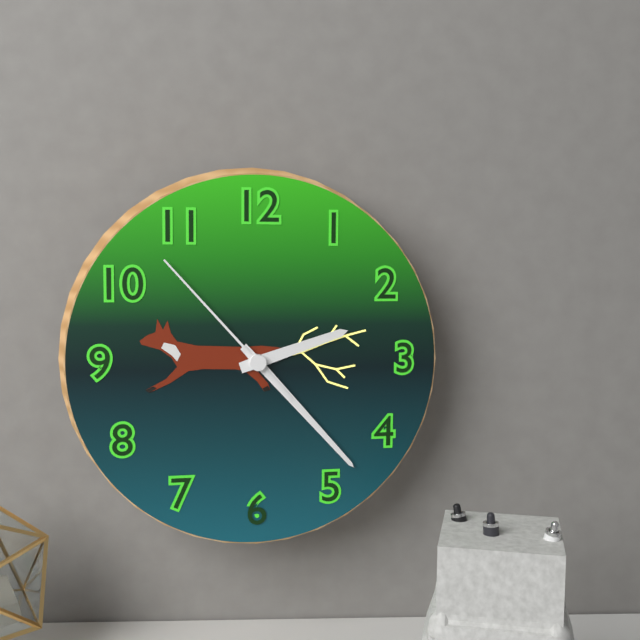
2,23,53
